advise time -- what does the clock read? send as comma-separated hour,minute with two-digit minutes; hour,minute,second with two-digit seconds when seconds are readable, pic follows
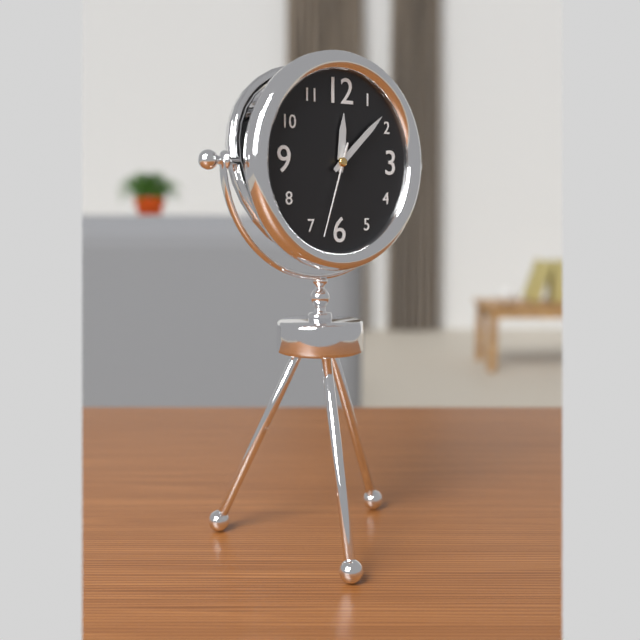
12,08,33
